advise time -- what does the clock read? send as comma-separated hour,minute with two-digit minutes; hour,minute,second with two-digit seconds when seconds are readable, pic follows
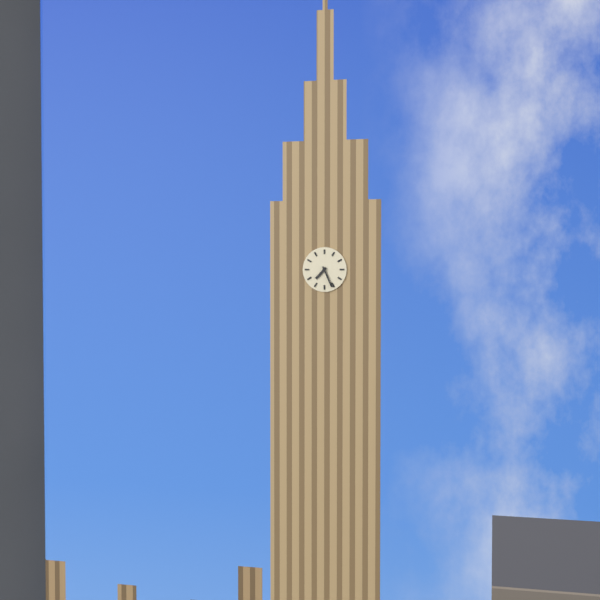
7,26
